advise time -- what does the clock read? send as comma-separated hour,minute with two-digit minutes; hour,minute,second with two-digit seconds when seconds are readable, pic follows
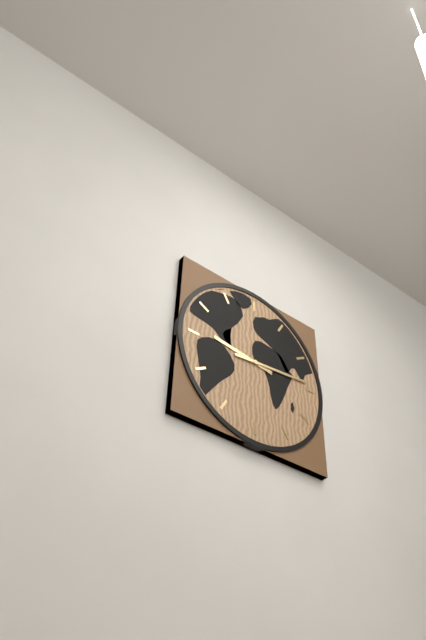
9,14
